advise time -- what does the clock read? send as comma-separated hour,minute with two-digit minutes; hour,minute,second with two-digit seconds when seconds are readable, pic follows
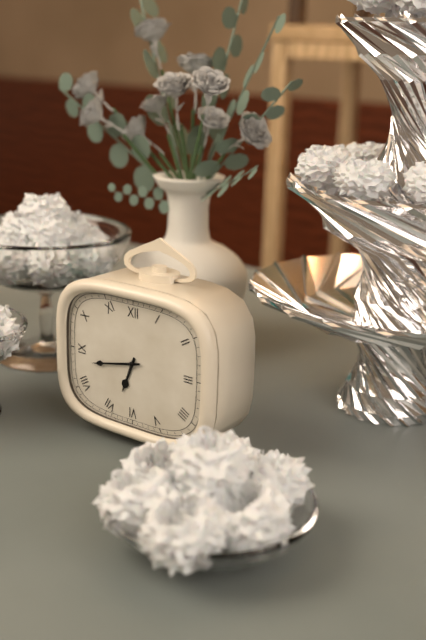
6,43
